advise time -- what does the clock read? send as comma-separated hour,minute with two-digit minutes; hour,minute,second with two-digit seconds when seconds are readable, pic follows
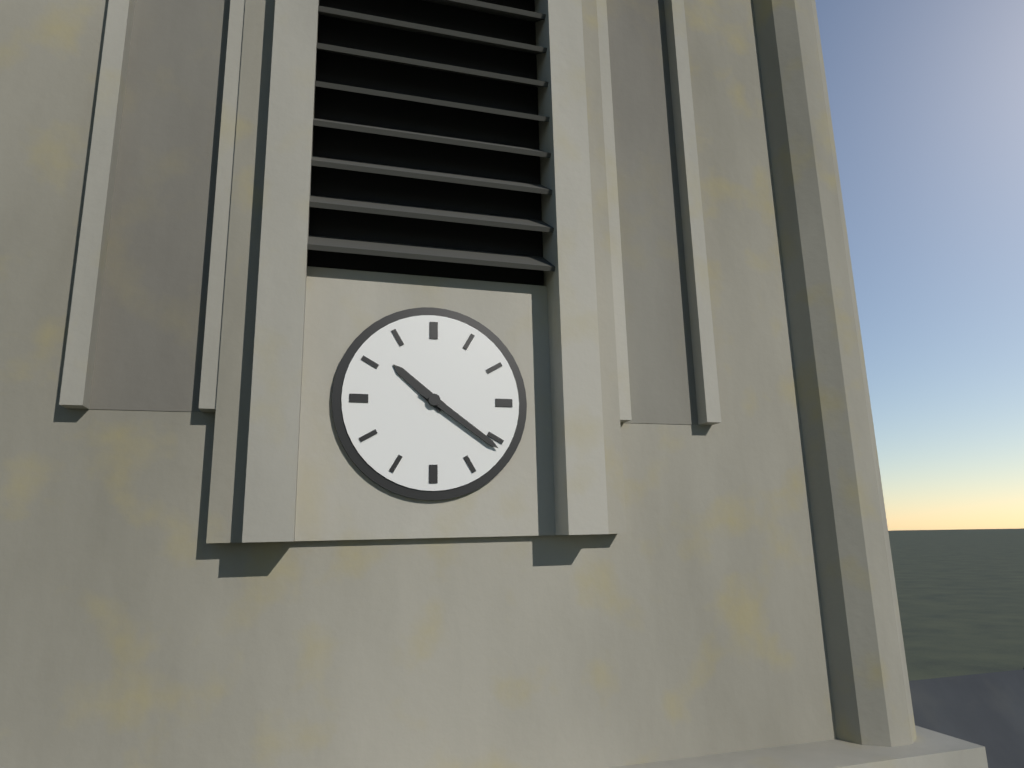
10,21
